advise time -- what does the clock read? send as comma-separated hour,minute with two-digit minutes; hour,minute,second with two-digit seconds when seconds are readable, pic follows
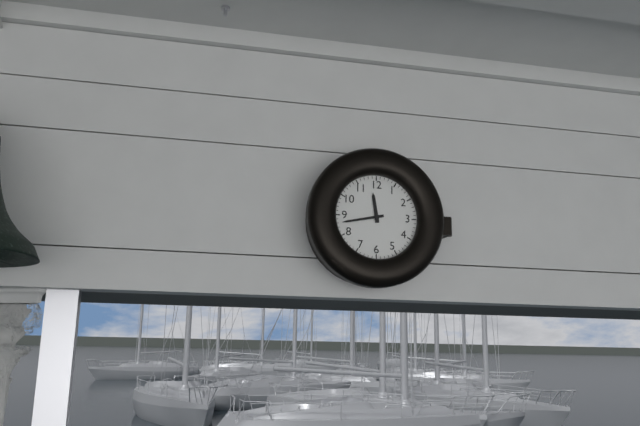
11,43
